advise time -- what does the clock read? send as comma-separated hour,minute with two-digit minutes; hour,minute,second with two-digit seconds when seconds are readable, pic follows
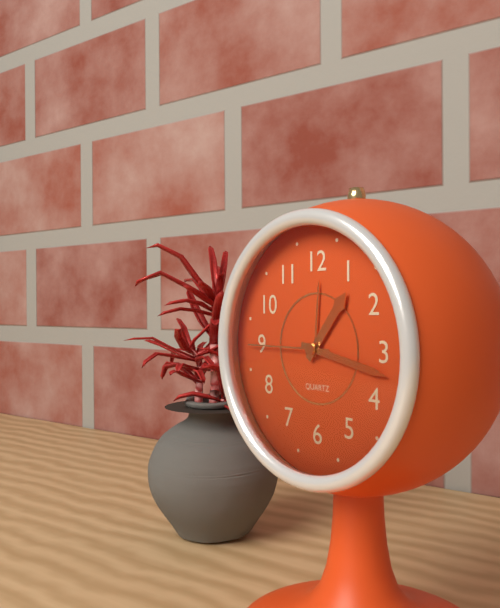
1,17,45
